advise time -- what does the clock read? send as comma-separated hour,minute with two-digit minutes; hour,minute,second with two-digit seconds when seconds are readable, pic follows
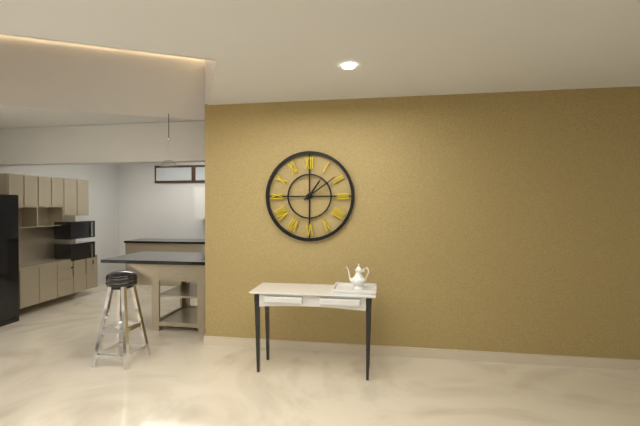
1,09
